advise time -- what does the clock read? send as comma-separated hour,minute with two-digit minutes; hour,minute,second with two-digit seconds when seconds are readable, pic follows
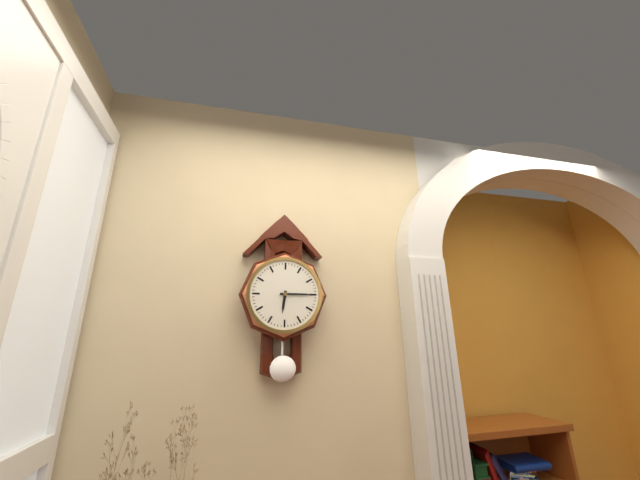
6,15
